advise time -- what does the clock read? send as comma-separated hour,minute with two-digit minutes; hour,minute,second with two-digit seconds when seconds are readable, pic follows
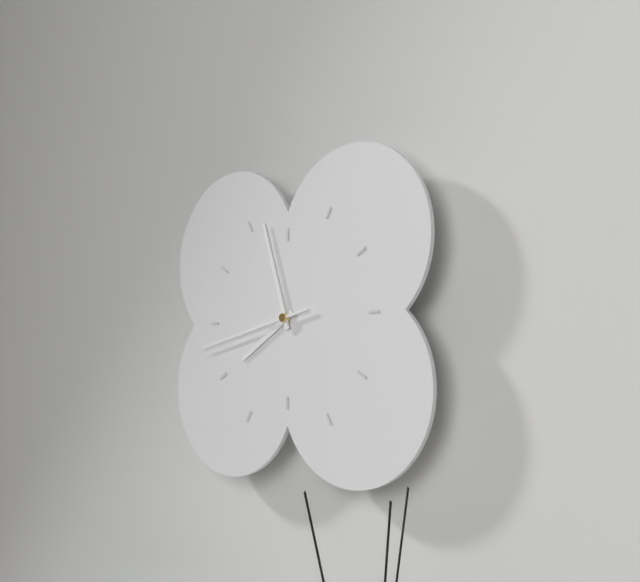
7,57,43
